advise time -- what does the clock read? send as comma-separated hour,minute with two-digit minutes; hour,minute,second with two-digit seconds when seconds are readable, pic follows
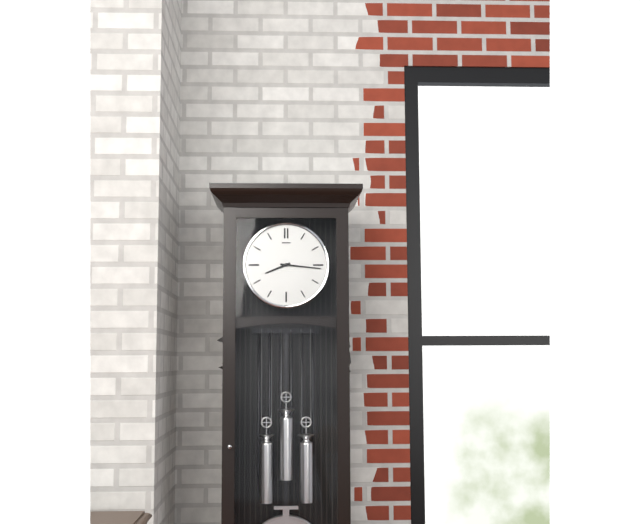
8,16
